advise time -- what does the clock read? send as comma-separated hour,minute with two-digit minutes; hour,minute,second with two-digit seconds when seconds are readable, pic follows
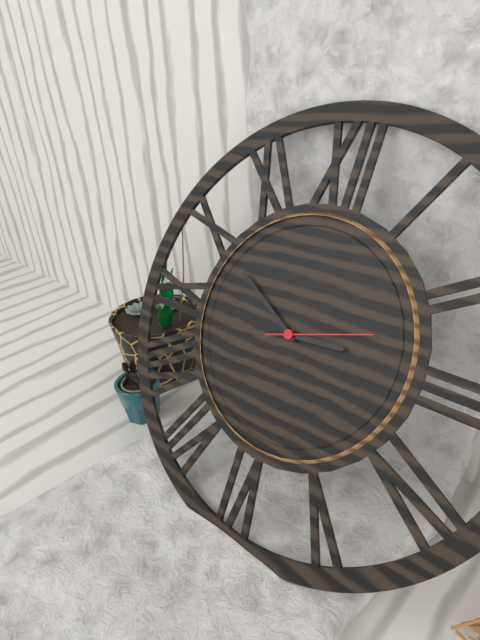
2,50,12
